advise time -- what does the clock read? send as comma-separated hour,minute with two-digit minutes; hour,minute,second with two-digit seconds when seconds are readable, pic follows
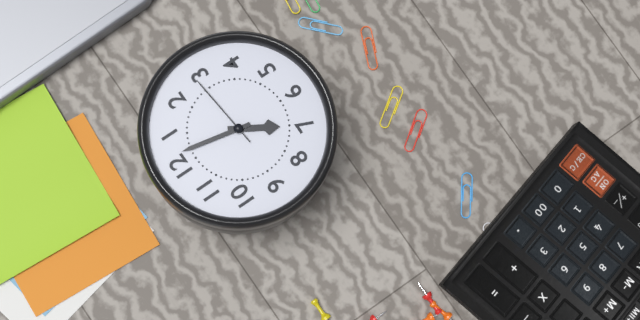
7,02,14
